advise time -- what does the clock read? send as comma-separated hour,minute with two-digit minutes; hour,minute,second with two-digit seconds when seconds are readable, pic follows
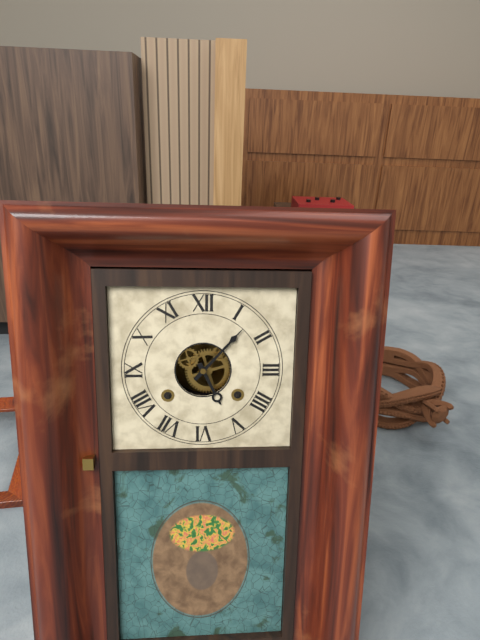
5,07
